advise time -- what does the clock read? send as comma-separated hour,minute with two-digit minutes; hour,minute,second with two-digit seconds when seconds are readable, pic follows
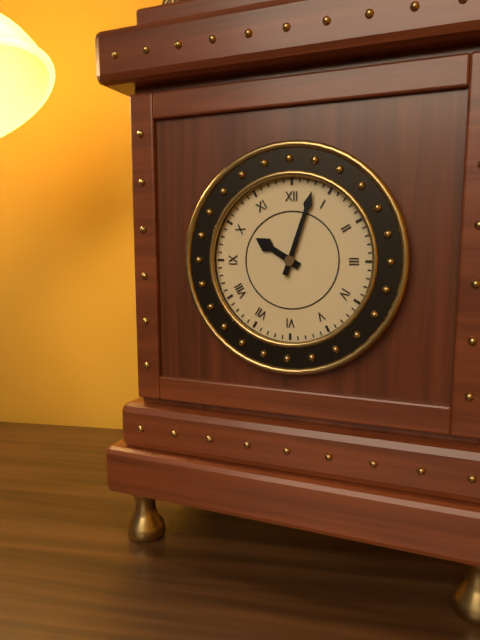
10,03
